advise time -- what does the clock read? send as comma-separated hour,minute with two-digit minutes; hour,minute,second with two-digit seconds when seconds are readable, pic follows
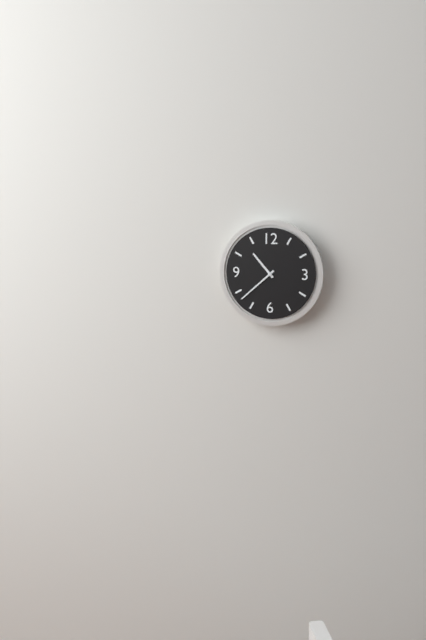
10,38
